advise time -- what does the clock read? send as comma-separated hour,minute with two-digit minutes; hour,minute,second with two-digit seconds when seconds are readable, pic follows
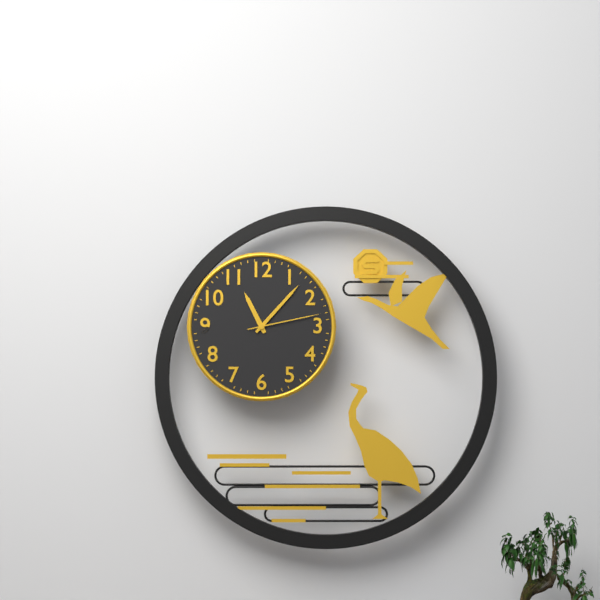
11,07,13
